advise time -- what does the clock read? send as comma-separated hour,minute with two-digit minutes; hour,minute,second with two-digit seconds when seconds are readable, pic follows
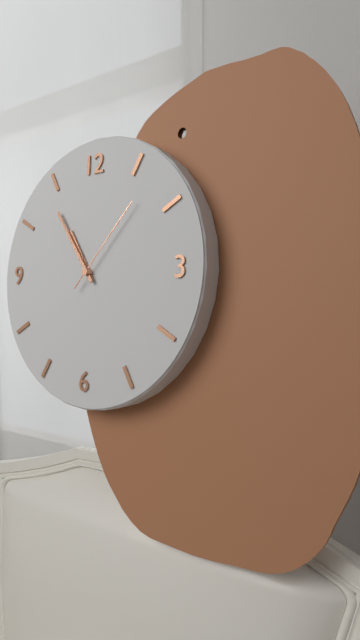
10,54,07
